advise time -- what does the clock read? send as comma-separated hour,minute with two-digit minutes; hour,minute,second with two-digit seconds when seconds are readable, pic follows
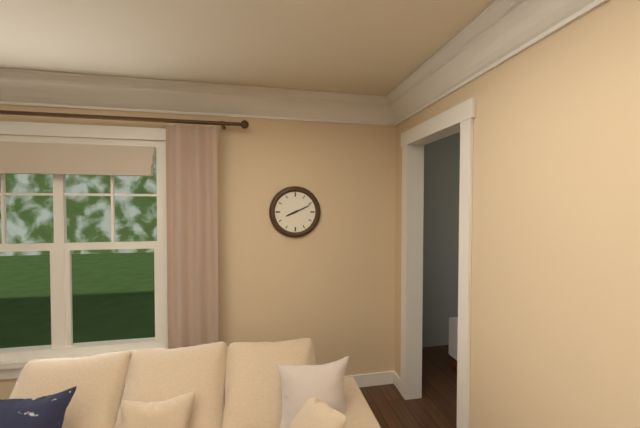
8,11
